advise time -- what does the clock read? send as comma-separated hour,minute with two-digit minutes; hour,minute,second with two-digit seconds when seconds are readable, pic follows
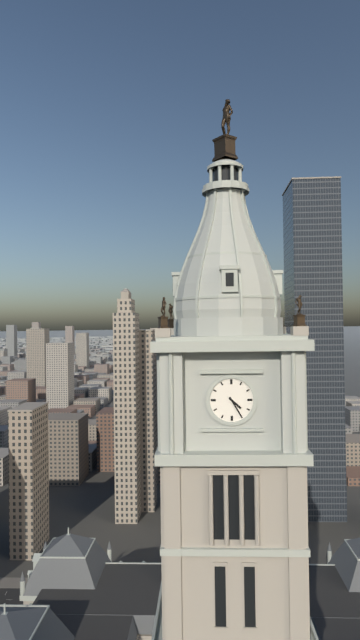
4,25
